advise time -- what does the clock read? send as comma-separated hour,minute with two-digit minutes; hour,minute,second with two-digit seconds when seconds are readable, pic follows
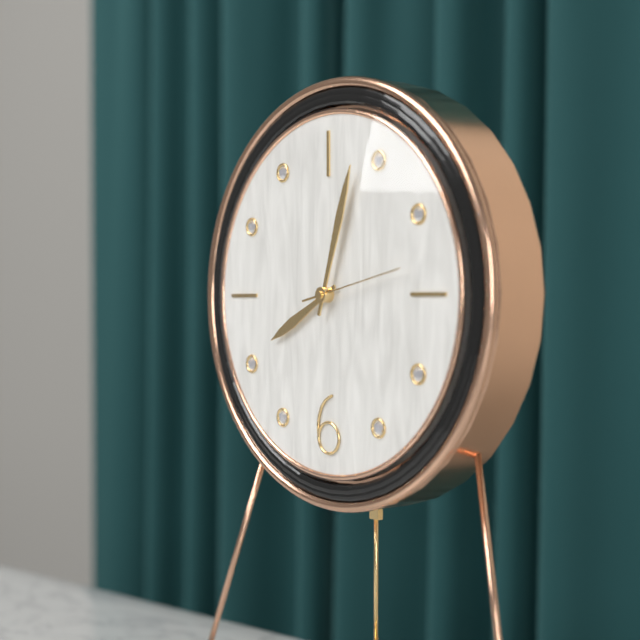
8,03,13
